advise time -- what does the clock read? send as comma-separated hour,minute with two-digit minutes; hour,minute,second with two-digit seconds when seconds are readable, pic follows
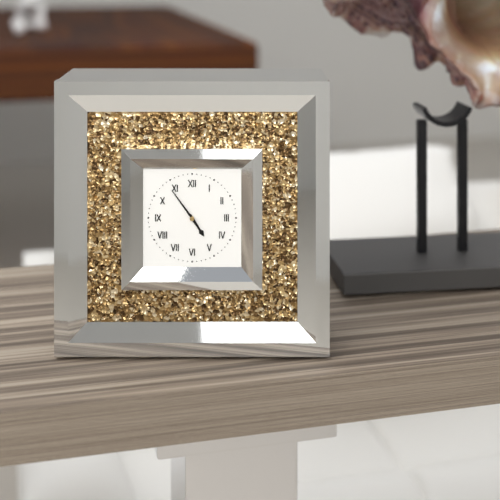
4,54
